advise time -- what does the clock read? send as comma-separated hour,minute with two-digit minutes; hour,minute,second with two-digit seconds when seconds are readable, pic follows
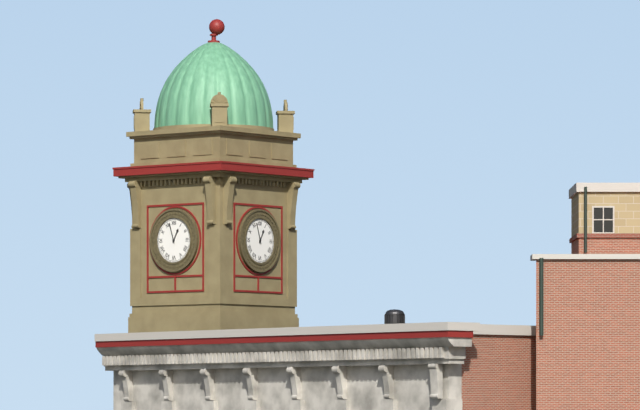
12,57
